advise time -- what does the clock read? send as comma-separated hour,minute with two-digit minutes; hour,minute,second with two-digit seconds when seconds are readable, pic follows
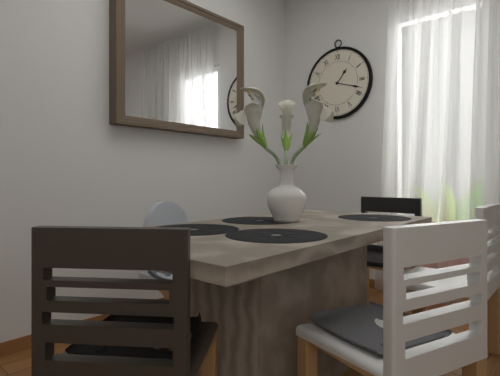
1,18
